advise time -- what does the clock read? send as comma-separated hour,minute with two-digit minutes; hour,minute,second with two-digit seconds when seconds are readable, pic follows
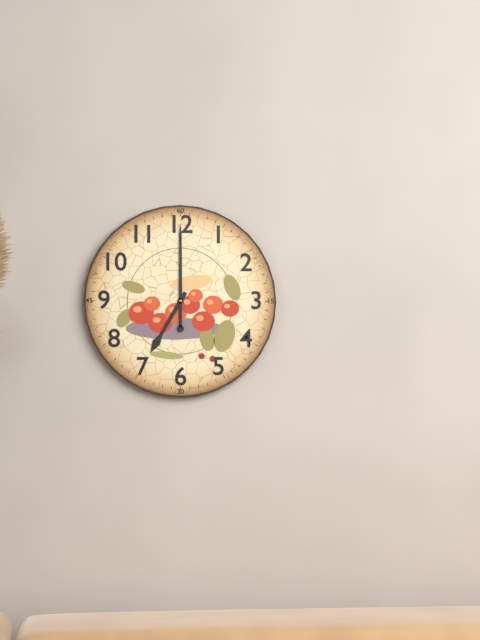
7,00
